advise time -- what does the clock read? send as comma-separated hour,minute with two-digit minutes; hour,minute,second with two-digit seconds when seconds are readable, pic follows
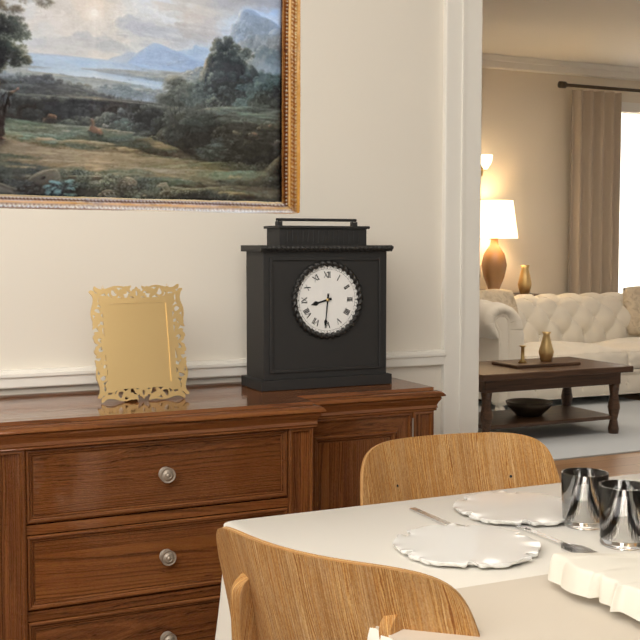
8,31
